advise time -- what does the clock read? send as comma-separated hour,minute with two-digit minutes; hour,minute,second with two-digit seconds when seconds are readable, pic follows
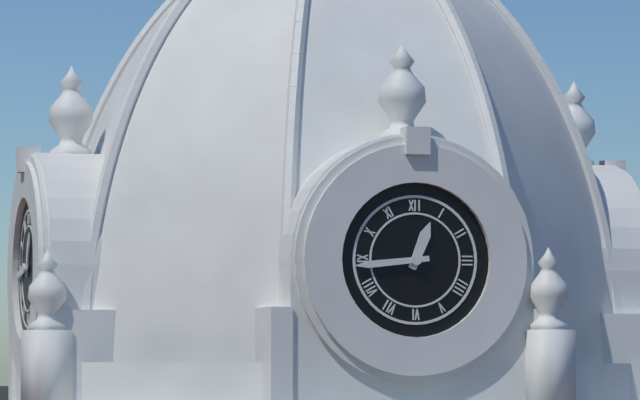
12,44
